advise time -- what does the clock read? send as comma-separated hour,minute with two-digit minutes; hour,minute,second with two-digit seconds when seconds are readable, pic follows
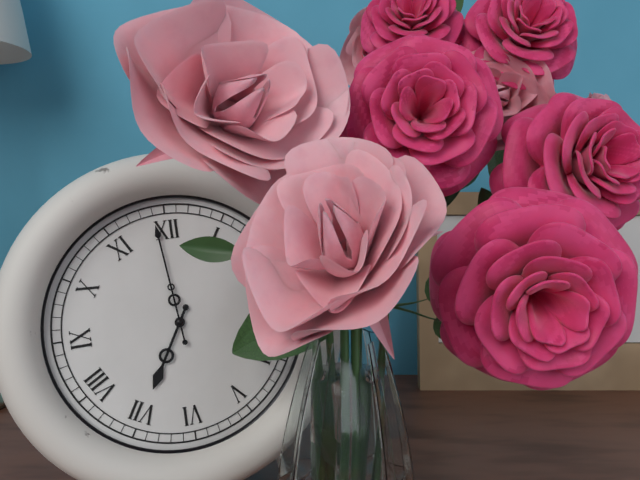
6,59
